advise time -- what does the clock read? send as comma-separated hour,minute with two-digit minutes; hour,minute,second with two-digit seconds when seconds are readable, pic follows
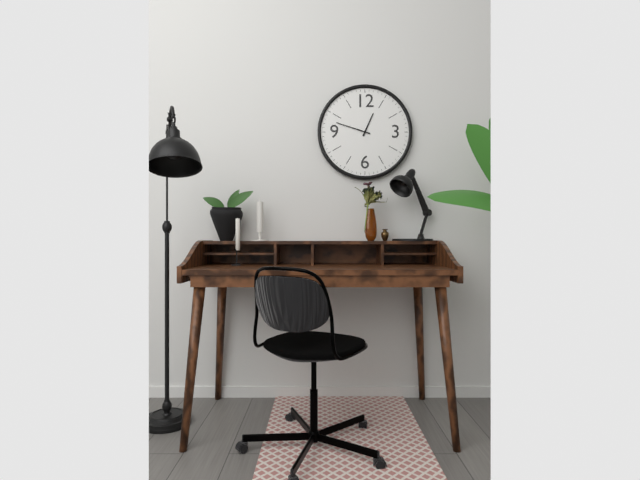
12,48
